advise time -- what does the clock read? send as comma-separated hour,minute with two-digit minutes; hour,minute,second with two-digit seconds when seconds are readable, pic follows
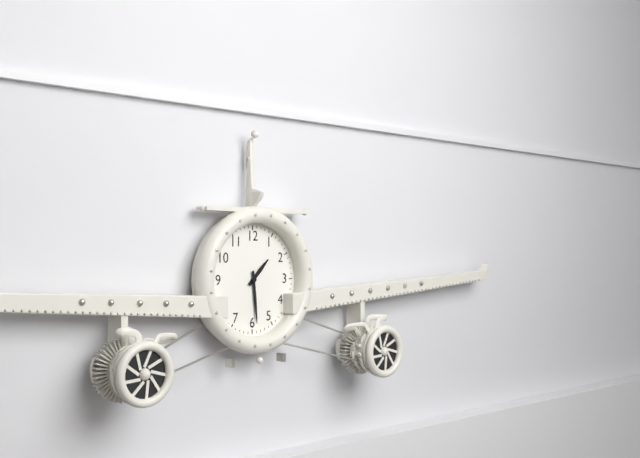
1,29
